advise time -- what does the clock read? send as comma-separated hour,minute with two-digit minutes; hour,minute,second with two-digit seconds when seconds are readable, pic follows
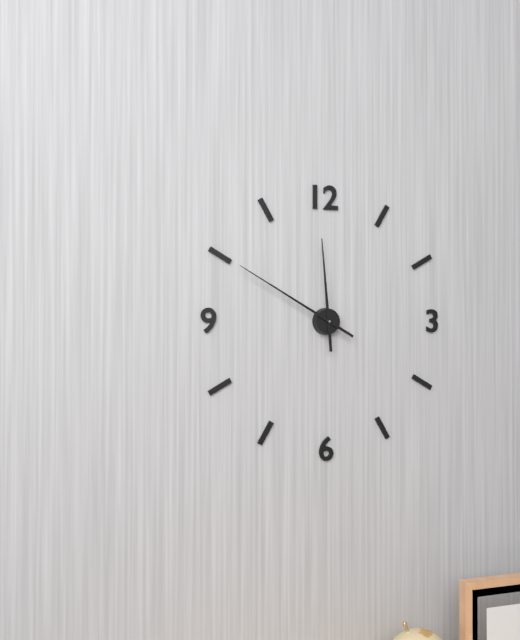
11,50
